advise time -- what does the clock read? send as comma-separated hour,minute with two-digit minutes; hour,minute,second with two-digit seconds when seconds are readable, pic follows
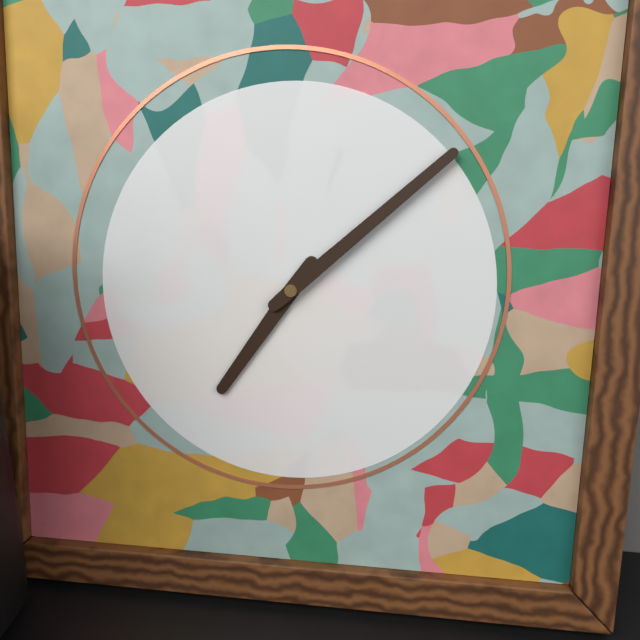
7,08
